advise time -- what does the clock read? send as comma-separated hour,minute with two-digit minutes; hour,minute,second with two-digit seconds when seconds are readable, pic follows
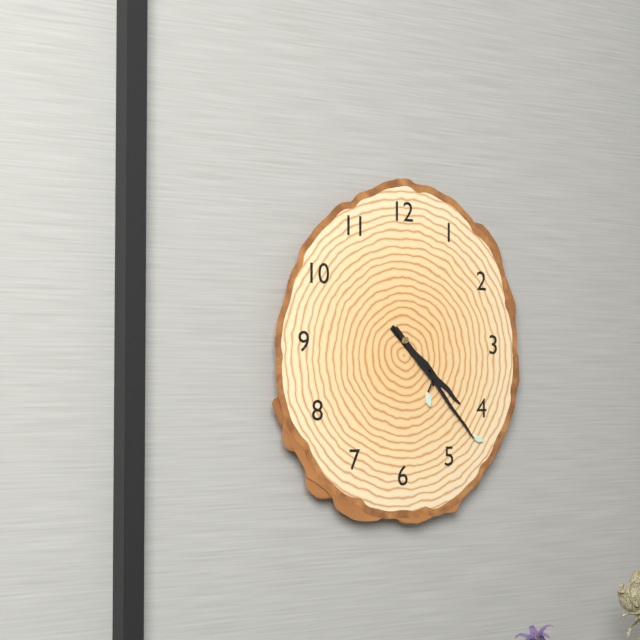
4,23
